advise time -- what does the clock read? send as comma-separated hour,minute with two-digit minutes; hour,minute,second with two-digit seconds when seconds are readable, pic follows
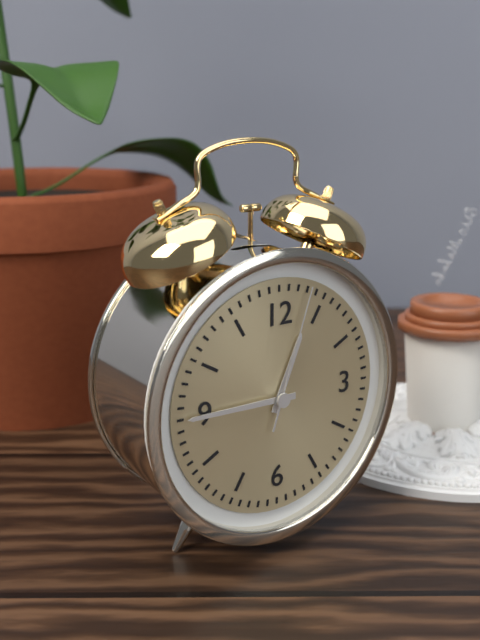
12,45,03
